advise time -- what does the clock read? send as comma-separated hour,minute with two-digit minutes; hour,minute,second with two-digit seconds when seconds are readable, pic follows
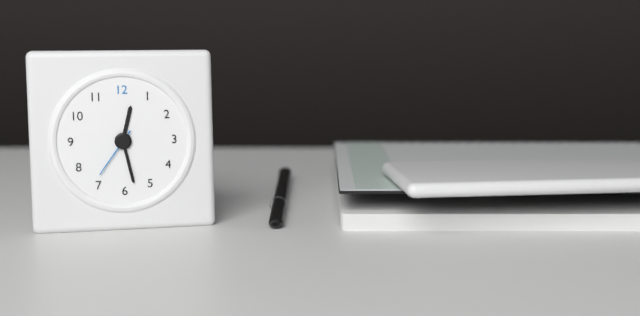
12,28,36
